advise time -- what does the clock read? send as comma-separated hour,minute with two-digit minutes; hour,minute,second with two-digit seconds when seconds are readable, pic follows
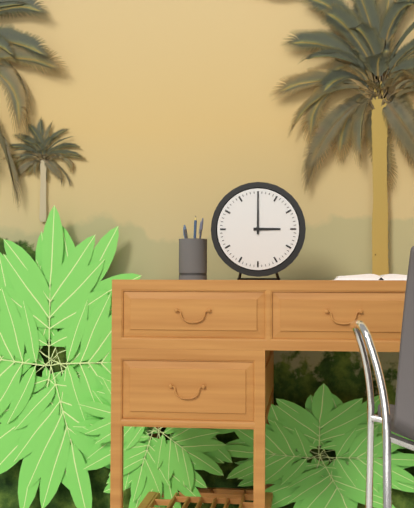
3,00
